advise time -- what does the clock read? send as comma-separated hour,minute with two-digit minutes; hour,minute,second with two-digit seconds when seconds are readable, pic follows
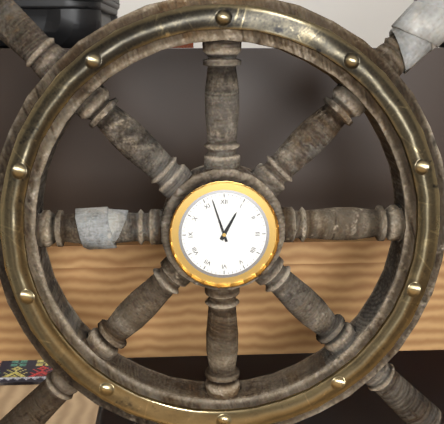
12,57
